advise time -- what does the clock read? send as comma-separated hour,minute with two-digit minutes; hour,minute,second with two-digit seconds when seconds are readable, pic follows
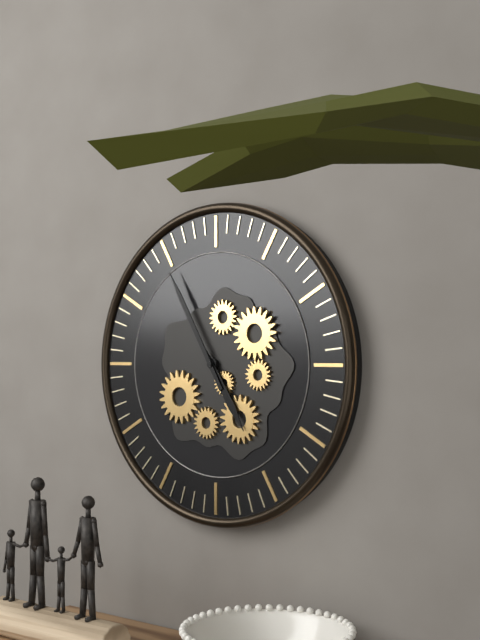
4,55
